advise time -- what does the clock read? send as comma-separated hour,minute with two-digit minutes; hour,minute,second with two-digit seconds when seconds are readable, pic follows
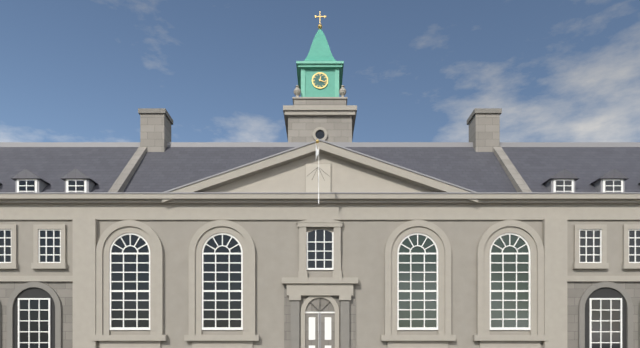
12,18
